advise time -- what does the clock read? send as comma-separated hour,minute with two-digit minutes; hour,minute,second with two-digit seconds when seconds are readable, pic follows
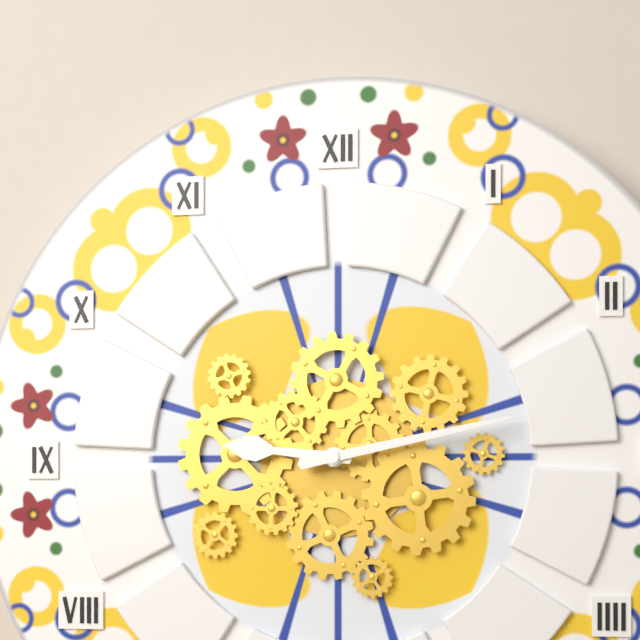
9,13
